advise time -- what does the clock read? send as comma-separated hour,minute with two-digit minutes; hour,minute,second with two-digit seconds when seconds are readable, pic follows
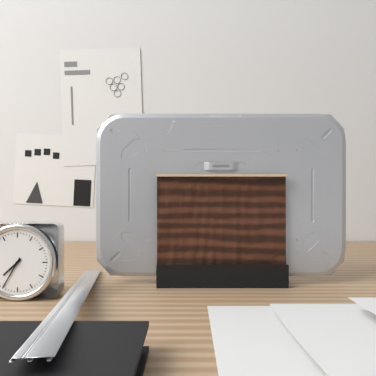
7,35
